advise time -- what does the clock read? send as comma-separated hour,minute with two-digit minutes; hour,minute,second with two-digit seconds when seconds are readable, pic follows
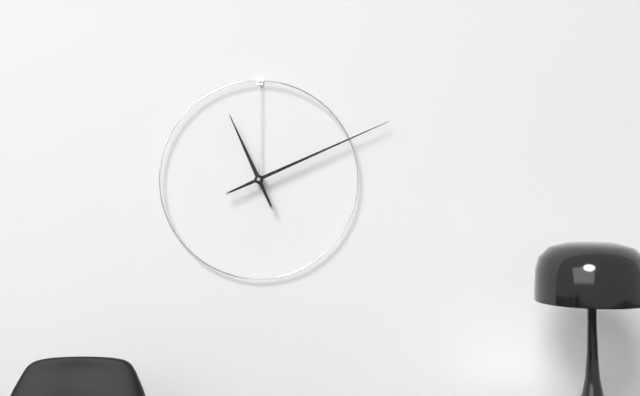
11,11
